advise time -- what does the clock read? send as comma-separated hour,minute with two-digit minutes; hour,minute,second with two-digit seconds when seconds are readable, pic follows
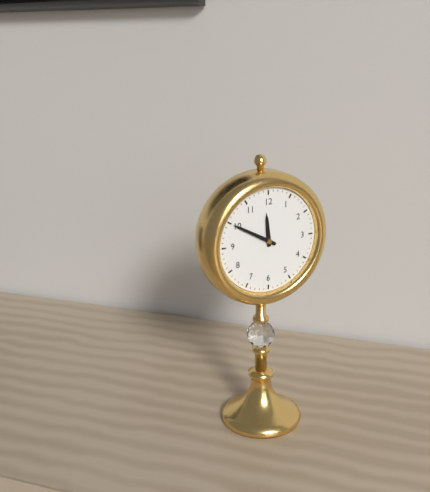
11,50
